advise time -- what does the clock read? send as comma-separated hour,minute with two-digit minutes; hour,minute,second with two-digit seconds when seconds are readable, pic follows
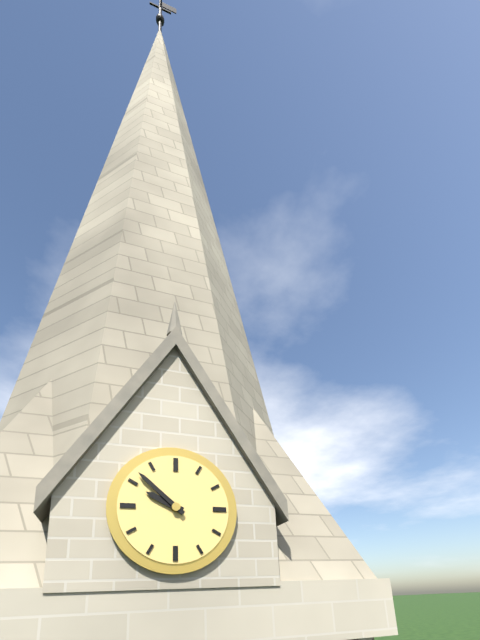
9,52
